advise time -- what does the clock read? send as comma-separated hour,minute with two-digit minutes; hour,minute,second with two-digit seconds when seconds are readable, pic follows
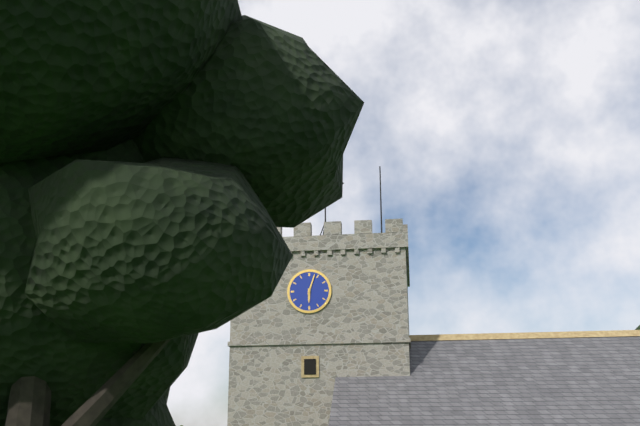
6,03
